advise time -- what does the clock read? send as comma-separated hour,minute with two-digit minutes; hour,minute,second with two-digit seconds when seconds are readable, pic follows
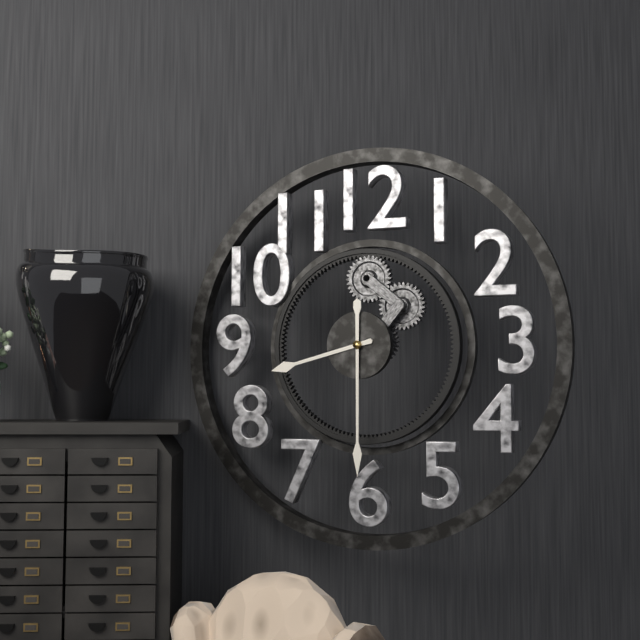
8,30
